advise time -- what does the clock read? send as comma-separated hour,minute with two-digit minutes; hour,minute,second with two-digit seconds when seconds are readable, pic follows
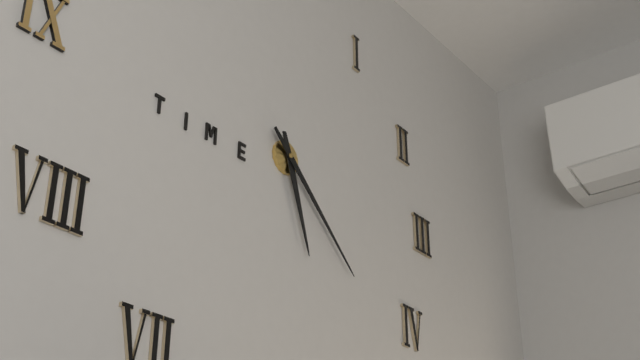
5,22
